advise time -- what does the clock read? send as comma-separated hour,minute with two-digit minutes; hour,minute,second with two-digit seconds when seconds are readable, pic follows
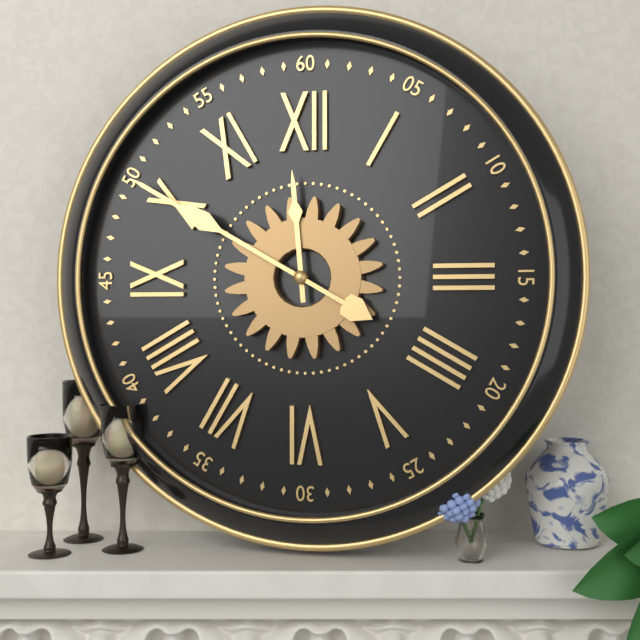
11,50
